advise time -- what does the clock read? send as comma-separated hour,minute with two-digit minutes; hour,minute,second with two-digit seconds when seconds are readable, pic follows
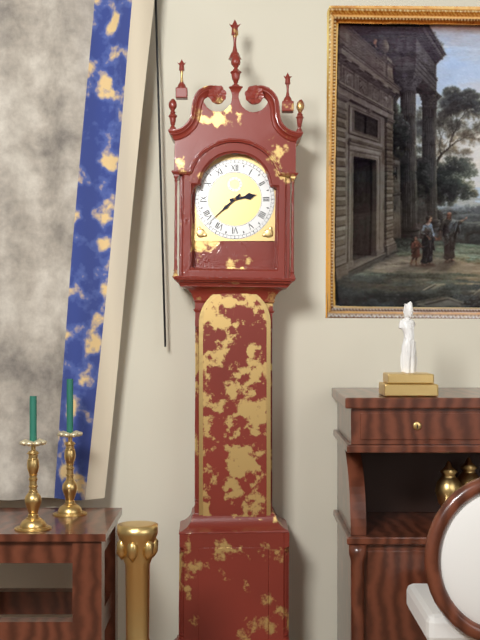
2,38
